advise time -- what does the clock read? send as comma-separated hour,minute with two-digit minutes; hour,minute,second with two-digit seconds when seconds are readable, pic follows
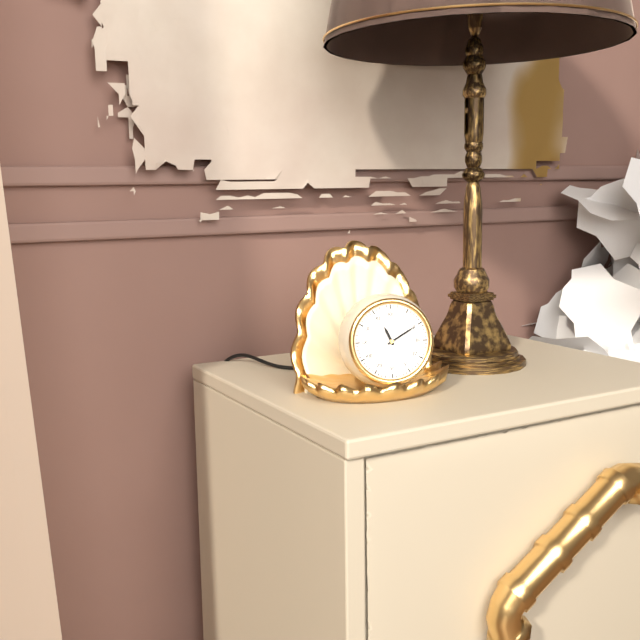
11,10
